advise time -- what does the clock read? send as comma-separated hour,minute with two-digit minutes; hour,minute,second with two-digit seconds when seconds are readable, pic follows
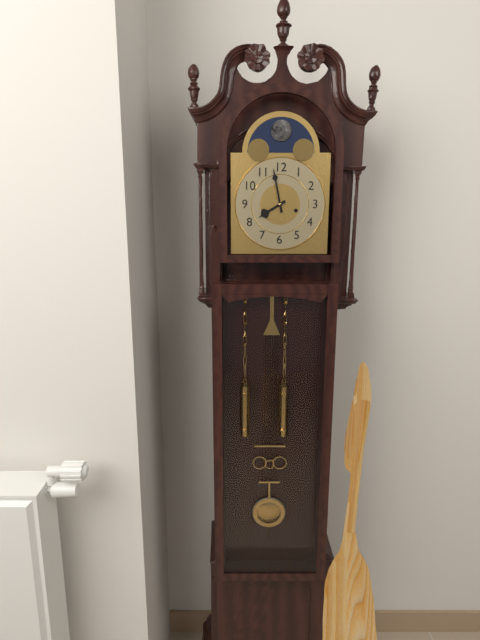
7,58
